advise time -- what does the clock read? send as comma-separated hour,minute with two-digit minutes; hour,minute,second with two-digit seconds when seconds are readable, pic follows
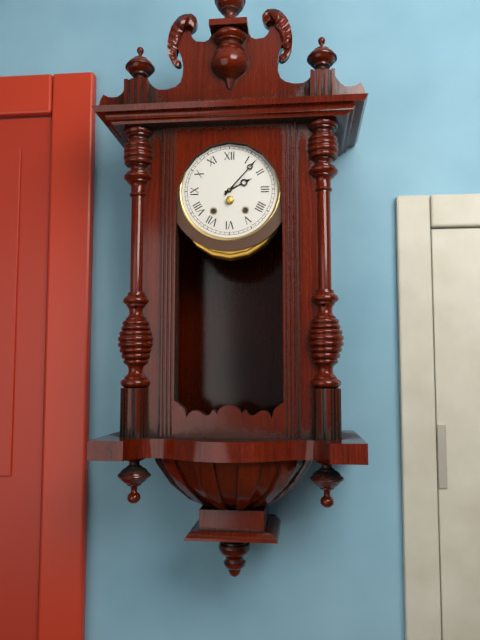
2,07
